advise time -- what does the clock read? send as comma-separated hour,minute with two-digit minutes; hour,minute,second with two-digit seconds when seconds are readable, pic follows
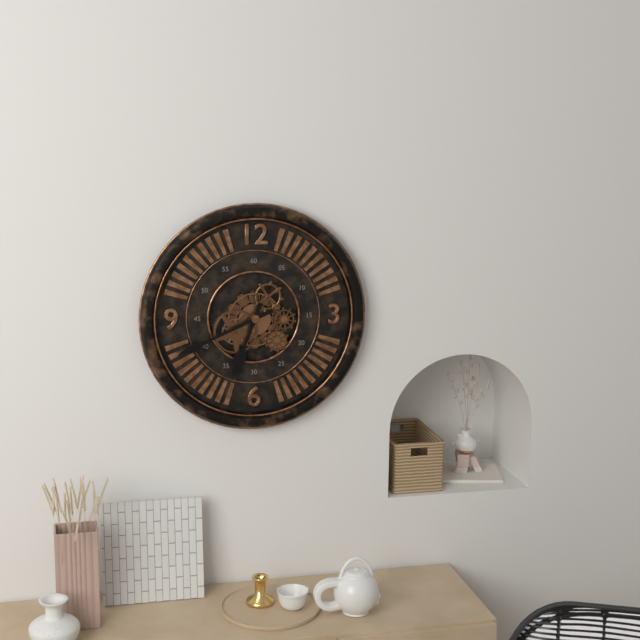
6,41
